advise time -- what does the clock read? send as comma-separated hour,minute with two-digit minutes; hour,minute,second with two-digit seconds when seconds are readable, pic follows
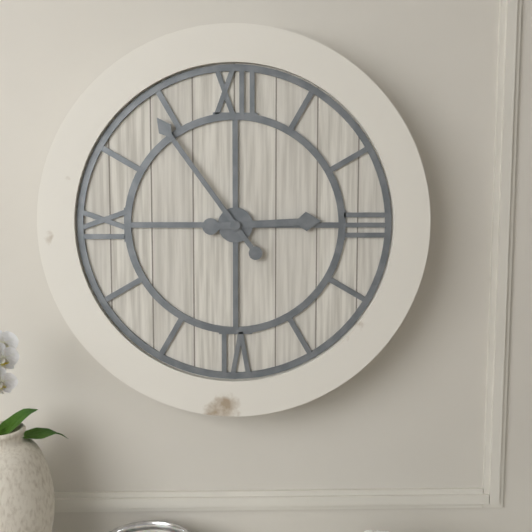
2,54
